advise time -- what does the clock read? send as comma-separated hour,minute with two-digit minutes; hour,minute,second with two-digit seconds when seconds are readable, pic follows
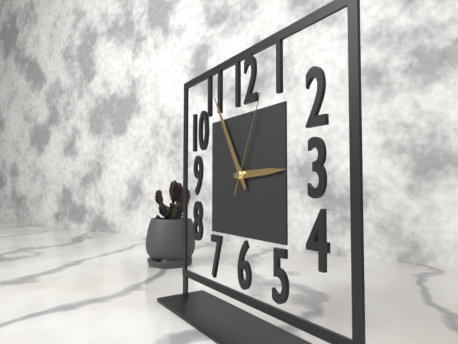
2,55,04
